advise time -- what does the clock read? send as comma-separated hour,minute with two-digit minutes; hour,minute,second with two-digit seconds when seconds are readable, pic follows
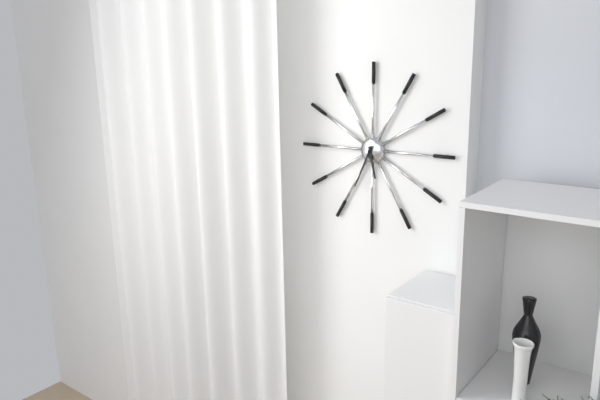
5,34
